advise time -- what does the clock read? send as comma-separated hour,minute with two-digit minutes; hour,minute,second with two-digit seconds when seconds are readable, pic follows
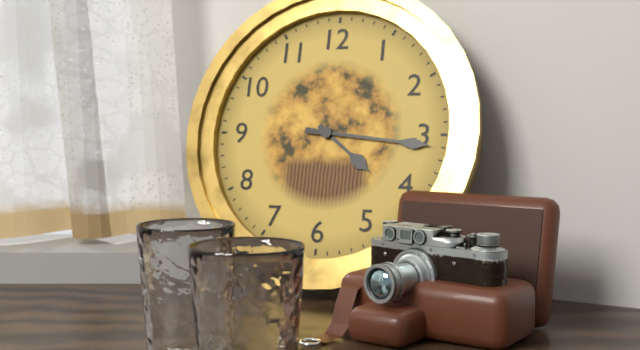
4,16
